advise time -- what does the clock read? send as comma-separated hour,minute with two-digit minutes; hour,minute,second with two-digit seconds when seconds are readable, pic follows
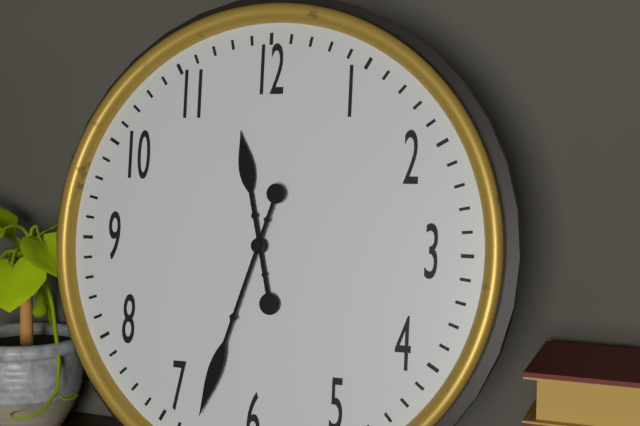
11,33
